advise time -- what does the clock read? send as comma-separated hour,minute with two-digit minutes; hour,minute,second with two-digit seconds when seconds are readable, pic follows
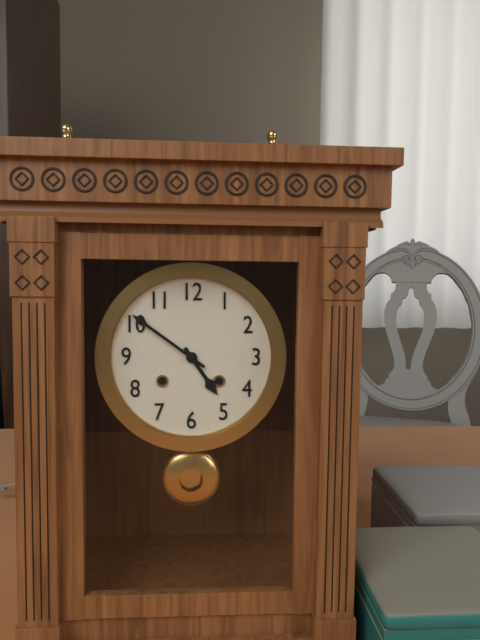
4,51
